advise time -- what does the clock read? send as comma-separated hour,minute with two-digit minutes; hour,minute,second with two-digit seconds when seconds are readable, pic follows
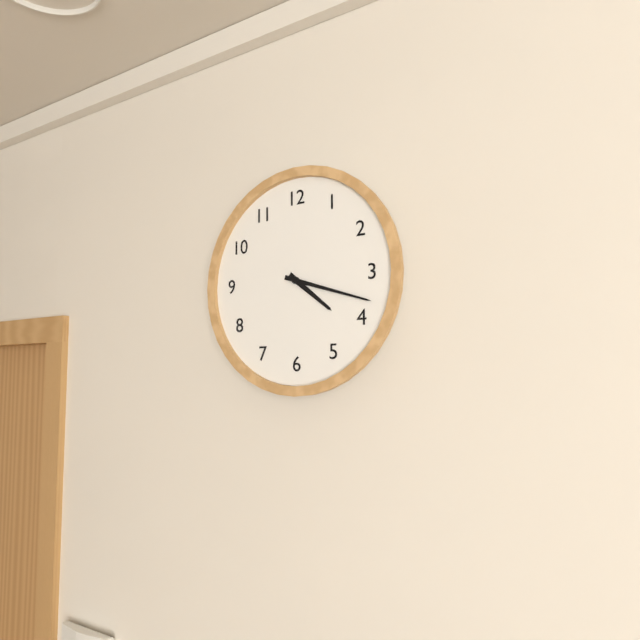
4,18
